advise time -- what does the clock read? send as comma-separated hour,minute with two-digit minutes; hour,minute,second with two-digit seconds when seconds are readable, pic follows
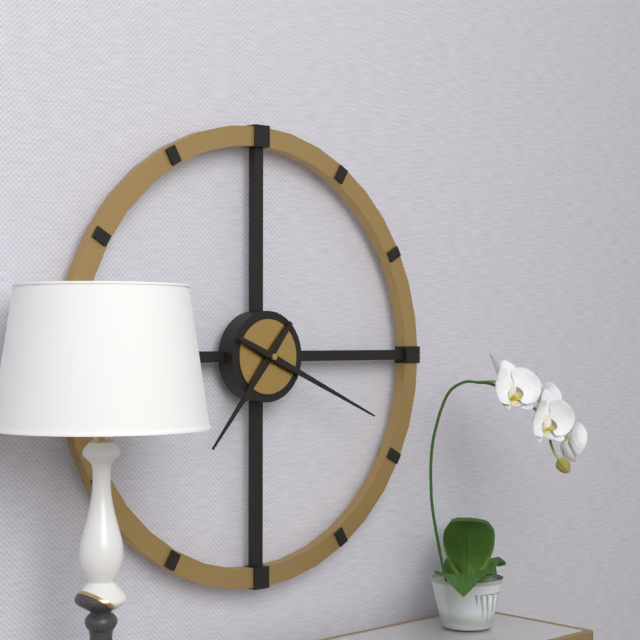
7,19
